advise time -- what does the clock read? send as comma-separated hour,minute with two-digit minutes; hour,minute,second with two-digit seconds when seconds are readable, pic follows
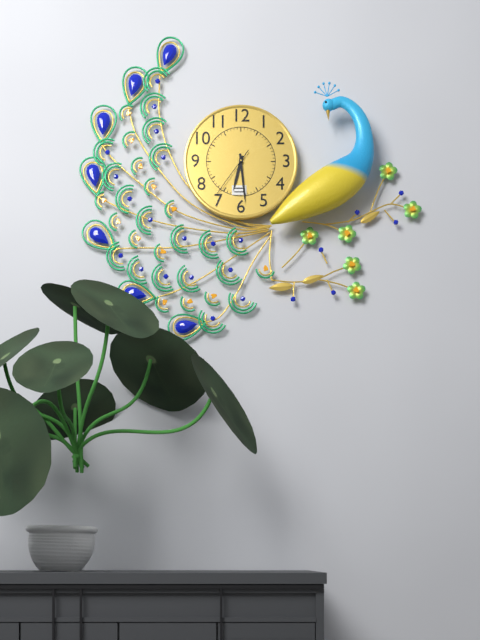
6,29
